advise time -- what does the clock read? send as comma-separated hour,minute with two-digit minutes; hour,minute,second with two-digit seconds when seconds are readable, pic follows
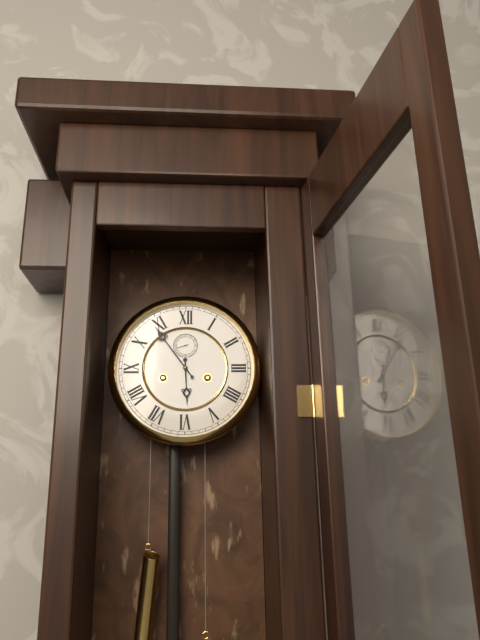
5,54
